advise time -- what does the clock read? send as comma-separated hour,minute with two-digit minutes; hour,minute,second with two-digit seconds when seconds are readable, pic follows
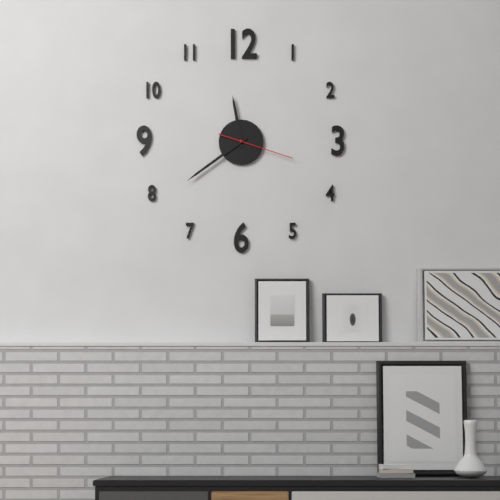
11,39,18
